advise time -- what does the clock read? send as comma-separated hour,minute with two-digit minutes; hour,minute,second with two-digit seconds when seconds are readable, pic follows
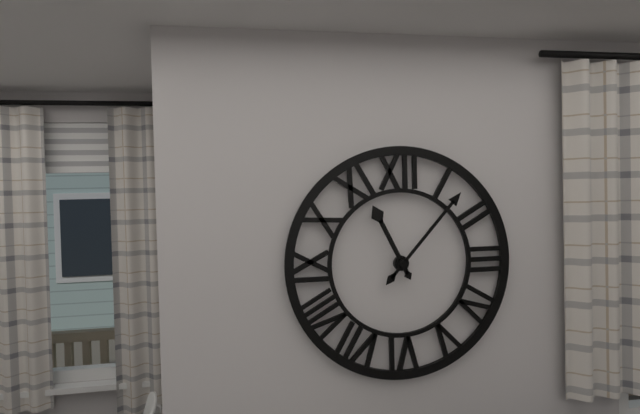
11,07
